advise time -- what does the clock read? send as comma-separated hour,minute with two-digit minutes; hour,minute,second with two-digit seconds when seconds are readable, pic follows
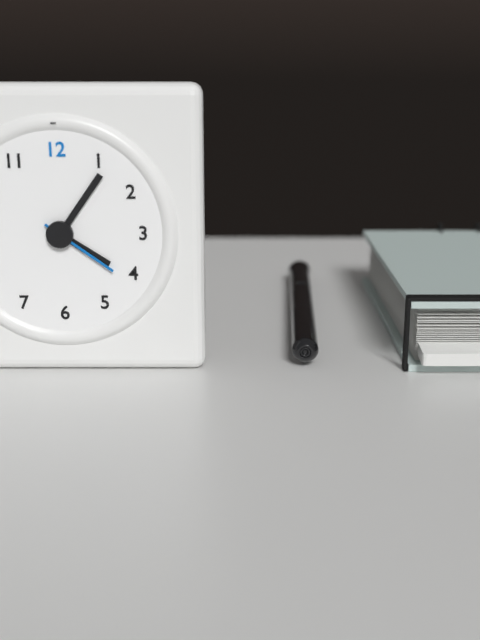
4,06,21
